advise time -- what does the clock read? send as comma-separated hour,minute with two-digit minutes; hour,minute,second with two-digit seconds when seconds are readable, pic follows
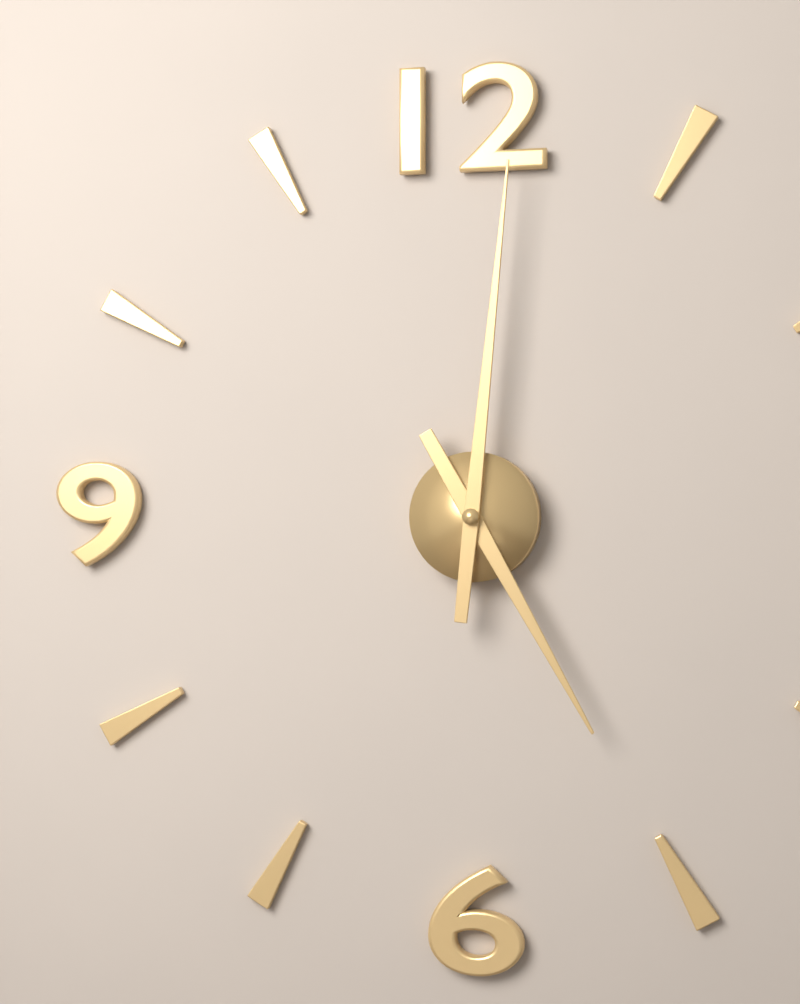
5,01
